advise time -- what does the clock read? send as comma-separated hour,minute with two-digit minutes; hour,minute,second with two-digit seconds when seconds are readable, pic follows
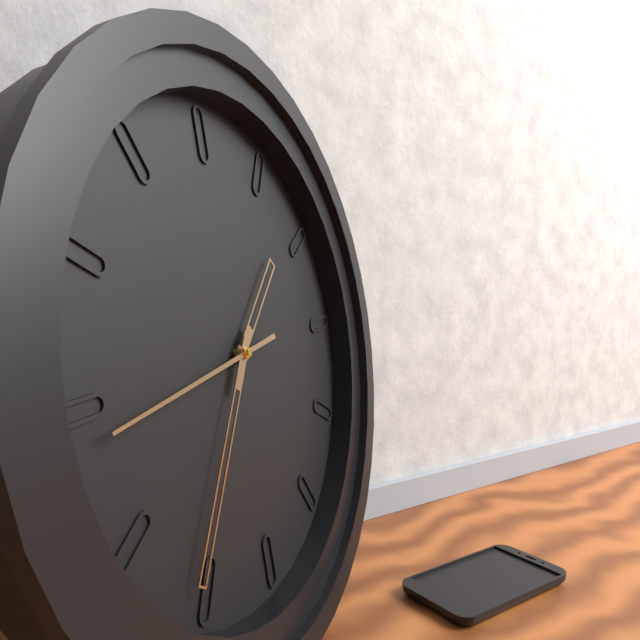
1,36,44
